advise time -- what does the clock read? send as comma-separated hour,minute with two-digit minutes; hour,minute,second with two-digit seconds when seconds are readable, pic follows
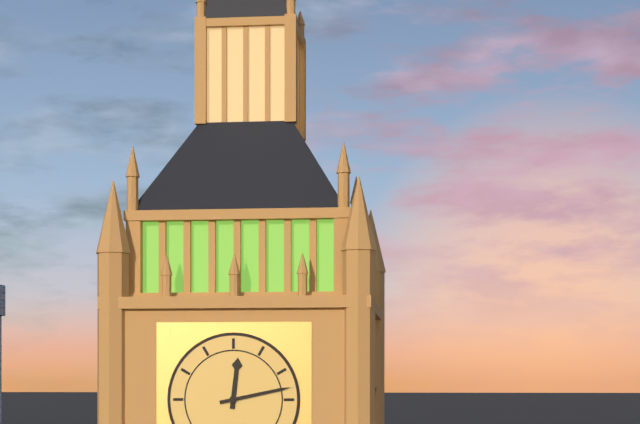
12,13
